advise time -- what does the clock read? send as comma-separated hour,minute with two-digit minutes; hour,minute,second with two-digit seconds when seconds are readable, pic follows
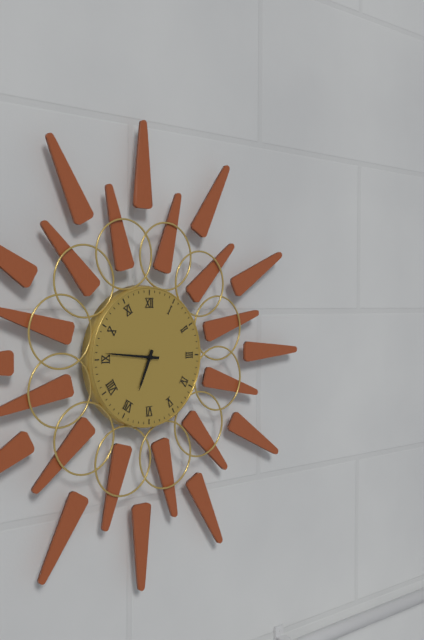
6,46
